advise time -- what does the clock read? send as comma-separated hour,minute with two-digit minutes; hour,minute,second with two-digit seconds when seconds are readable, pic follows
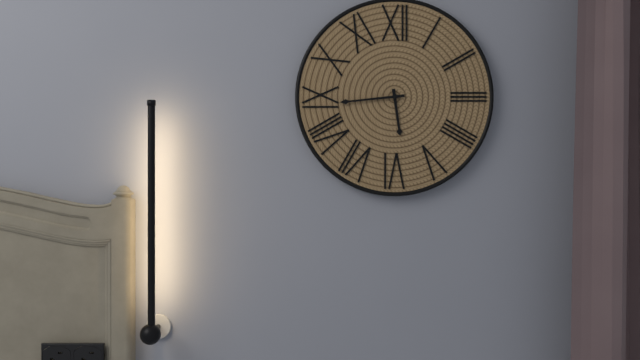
5,44
